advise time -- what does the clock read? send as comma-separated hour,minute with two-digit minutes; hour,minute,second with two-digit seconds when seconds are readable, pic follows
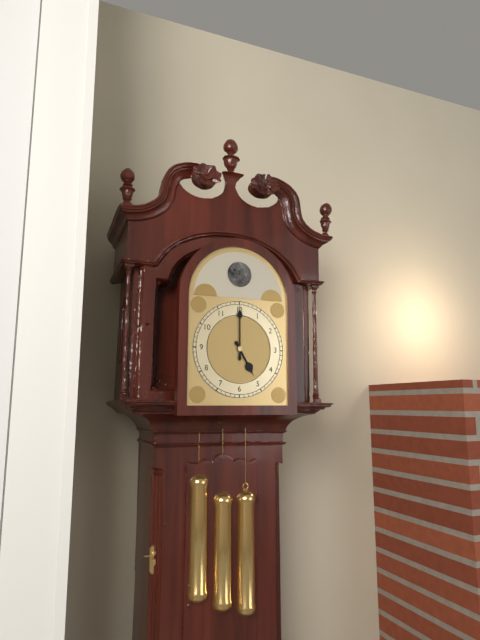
5,00
